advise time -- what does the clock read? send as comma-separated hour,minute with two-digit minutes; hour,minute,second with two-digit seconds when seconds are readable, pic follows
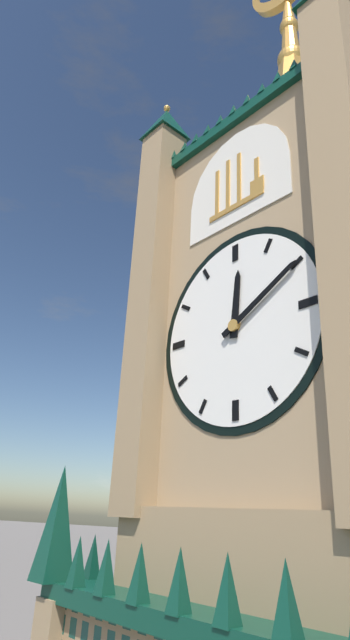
12,10
